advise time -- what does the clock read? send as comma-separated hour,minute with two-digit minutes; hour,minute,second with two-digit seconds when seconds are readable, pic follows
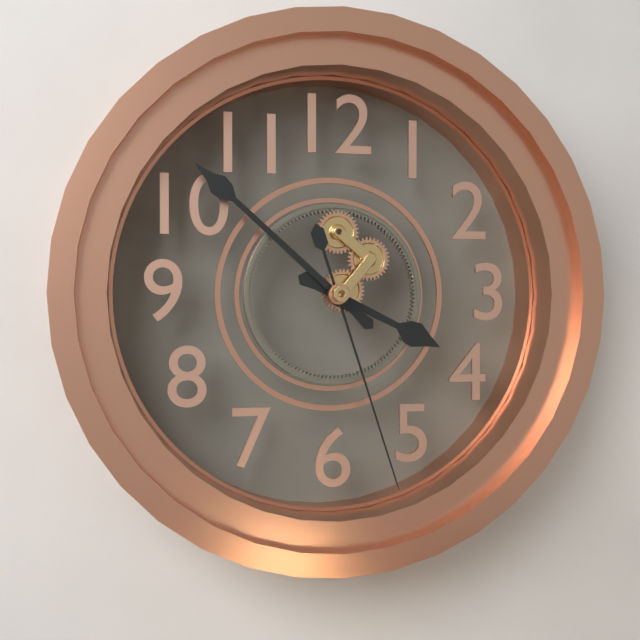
3,52,27
